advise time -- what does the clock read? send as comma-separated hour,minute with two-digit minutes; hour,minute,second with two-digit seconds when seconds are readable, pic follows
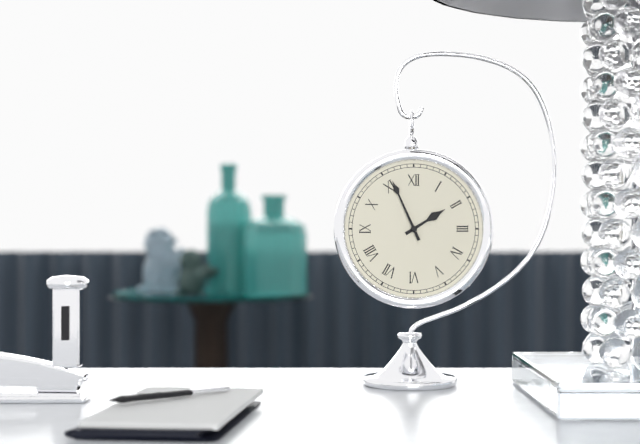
1,56
